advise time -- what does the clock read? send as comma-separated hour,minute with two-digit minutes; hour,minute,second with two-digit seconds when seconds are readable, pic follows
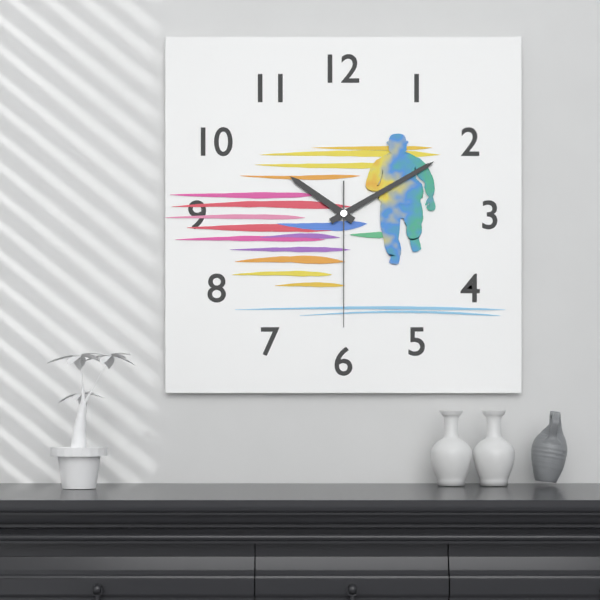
10,10,30
